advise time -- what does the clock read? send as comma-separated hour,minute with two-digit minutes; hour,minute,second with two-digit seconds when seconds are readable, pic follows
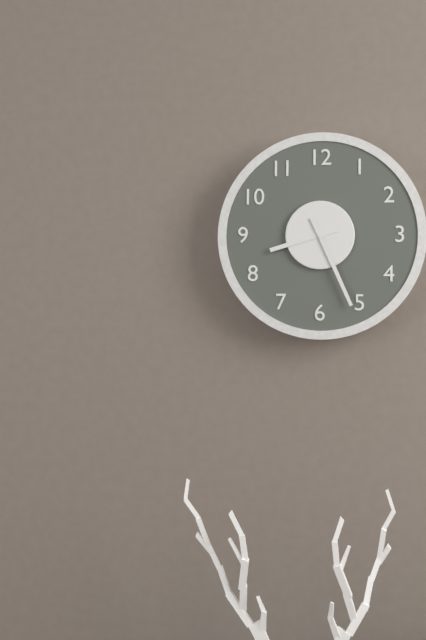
8,26
